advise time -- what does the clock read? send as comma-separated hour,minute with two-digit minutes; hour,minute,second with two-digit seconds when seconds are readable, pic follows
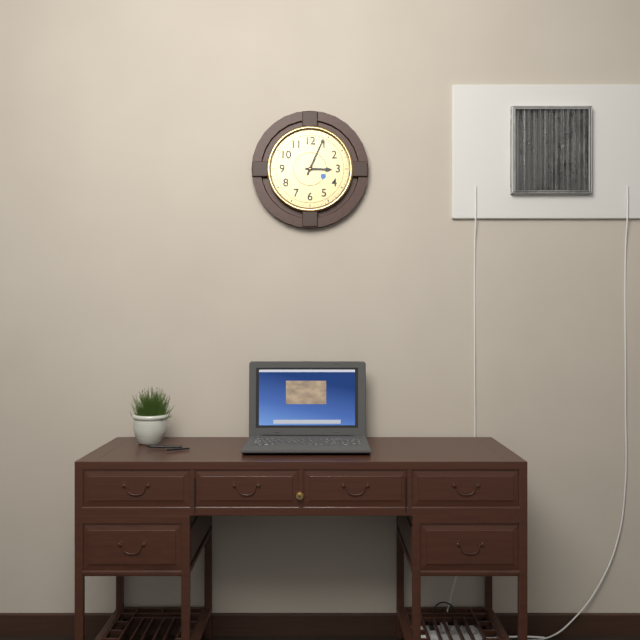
3,04
